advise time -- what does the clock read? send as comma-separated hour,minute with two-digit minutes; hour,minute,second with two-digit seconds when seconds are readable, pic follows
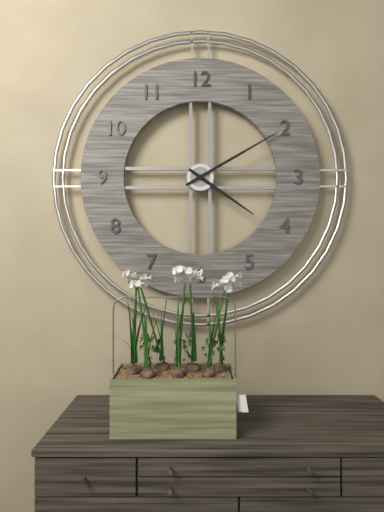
4,10
